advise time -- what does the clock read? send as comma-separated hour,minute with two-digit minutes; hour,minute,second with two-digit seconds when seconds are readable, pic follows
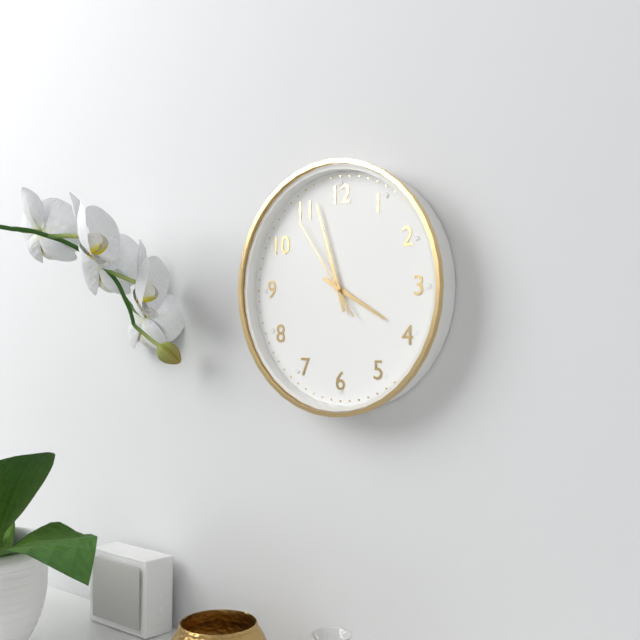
3,57,54
